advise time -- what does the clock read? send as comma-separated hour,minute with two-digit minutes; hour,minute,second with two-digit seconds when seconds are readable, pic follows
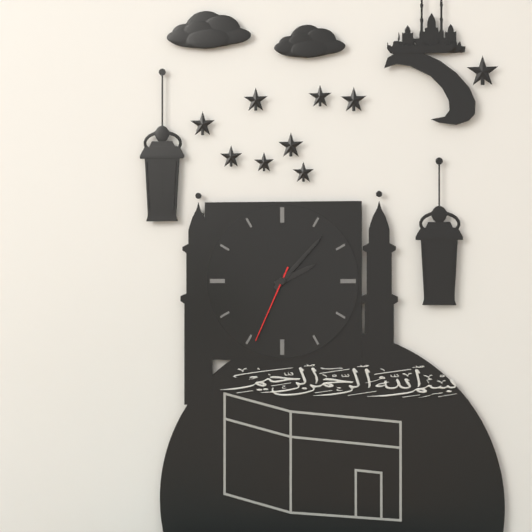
2,07,34
